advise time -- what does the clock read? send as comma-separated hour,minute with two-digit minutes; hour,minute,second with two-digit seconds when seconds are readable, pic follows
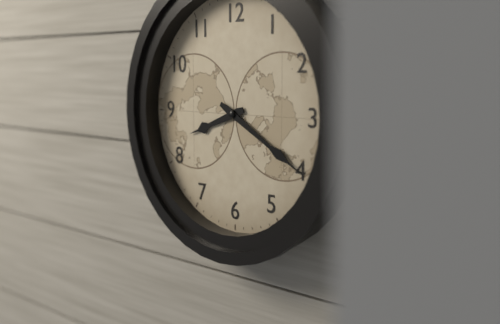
8,20
